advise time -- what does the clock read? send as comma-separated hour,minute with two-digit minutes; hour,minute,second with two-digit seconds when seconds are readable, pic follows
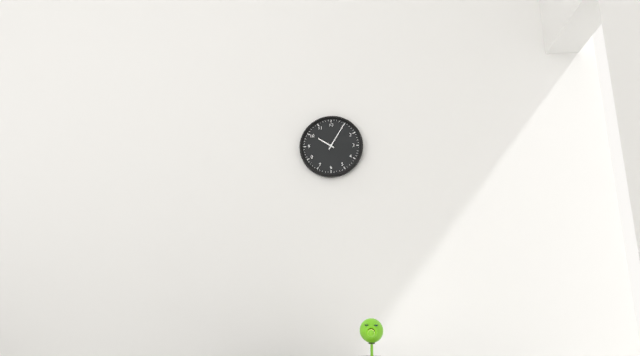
10,05
